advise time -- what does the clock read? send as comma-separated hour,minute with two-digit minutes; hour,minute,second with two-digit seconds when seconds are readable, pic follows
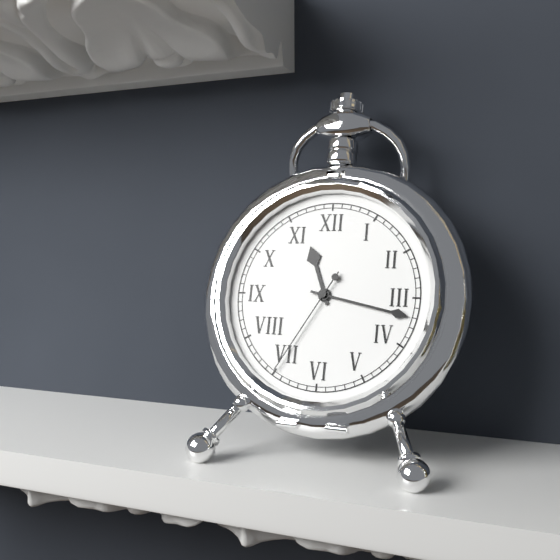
11,17,35
